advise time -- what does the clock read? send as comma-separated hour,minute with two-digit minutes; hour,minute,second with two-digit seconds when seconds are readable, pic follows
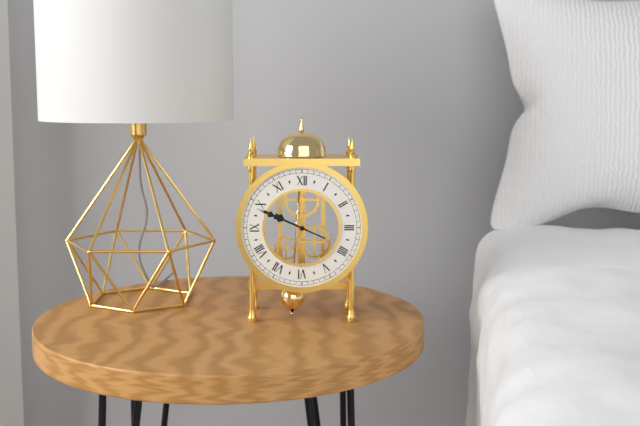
9,49
